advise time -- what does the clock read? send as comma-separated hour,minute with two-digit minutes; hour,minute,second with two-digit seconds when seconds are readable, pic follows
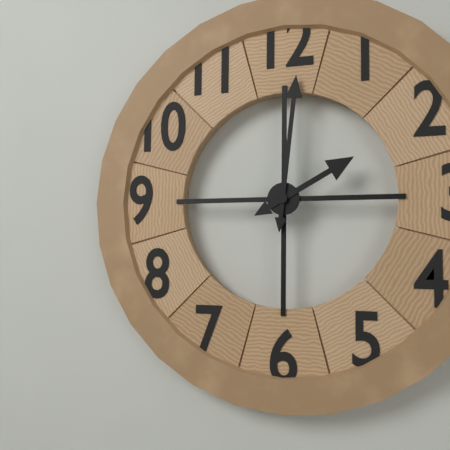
2,01
